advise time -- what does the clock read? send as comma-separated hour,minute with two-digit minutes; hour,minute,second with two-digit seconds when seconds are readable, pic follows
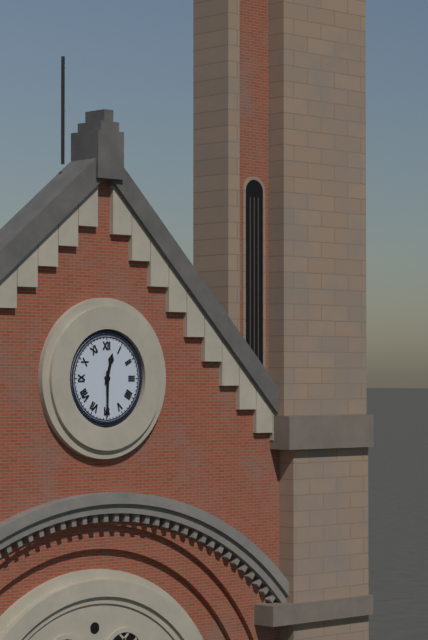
12,30
